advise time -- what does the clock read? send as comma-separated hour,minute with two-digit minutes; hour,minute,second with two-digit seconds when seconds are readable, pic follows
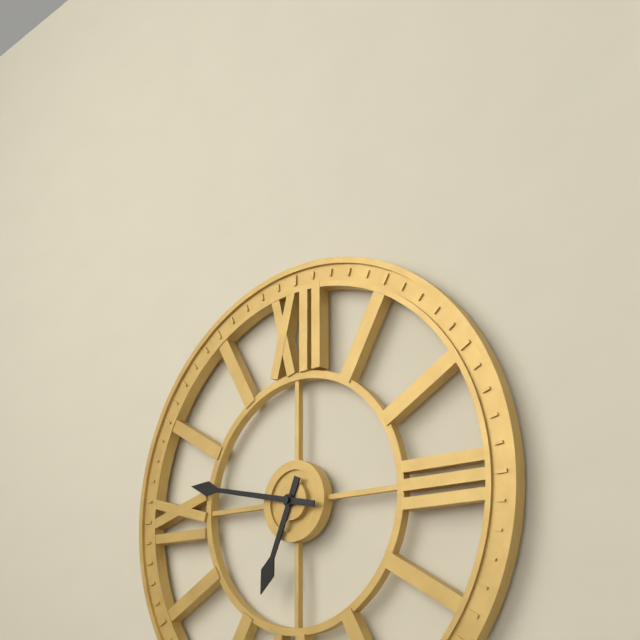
6,47
